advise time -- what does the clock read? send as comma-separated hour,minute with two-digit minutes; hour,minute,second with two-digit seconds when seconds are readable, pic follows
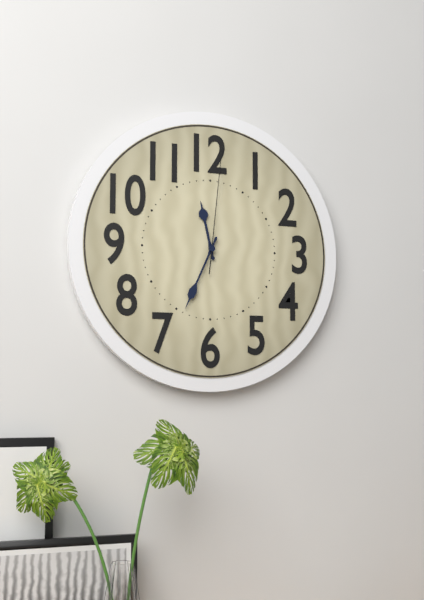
11,34,01
